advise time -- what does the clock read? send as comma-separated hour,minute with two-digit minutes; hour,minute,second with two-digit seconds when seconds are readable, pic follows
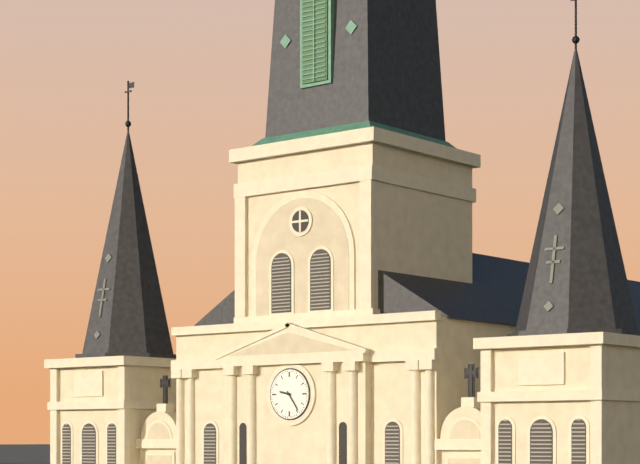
9,24
